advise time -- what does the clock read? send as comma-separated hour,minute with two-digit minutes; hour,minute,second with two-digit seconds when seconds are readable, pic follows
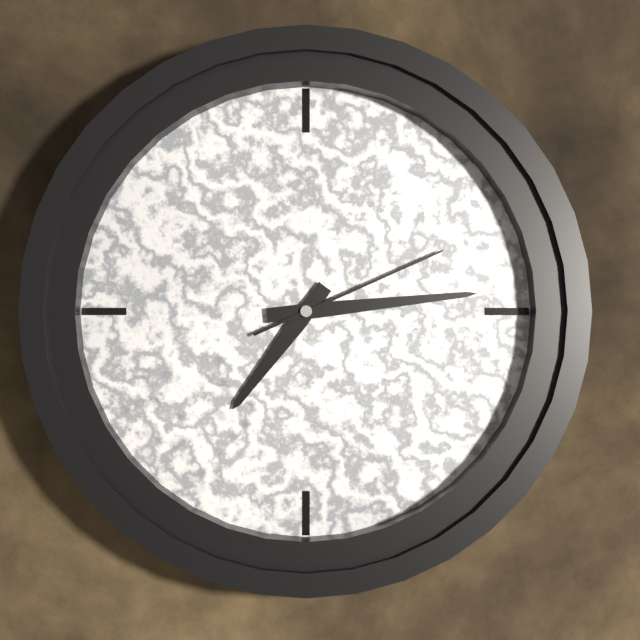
7,14,11
